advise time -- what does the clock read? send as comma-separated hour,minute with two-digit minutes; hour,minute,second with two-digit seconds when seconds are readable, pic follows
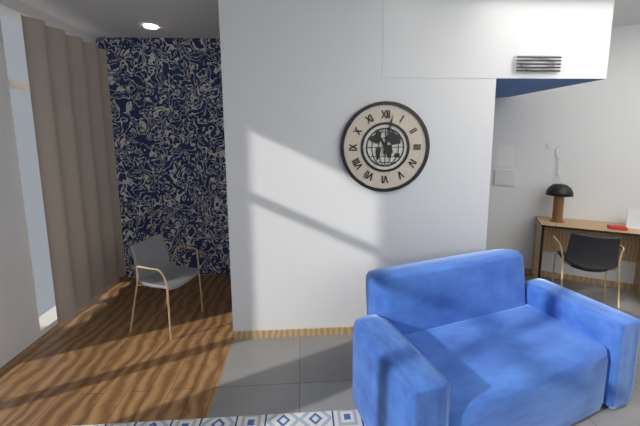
11,02
